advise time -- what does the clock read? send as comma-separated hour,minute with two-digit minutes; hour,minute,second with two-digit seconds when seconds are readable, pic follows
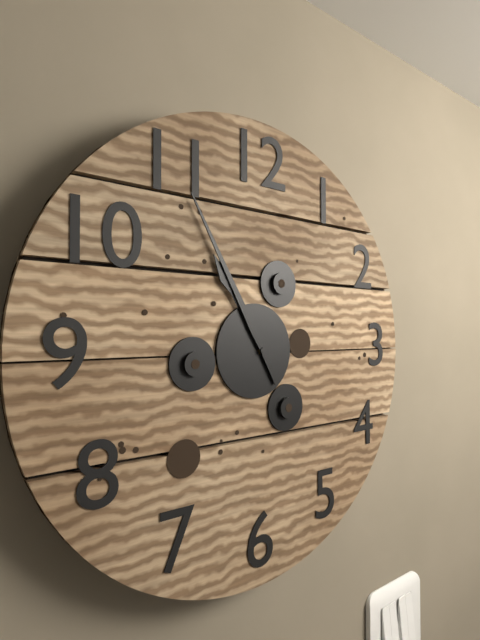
10,55
